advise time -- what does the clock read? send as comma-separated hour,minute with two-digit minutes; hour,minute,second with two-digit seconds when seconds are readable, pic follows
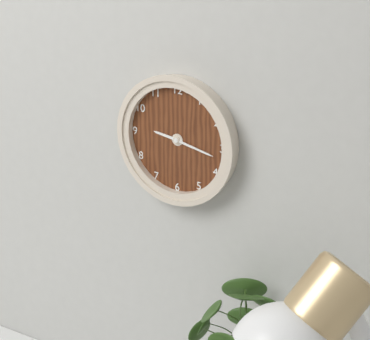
9,17
